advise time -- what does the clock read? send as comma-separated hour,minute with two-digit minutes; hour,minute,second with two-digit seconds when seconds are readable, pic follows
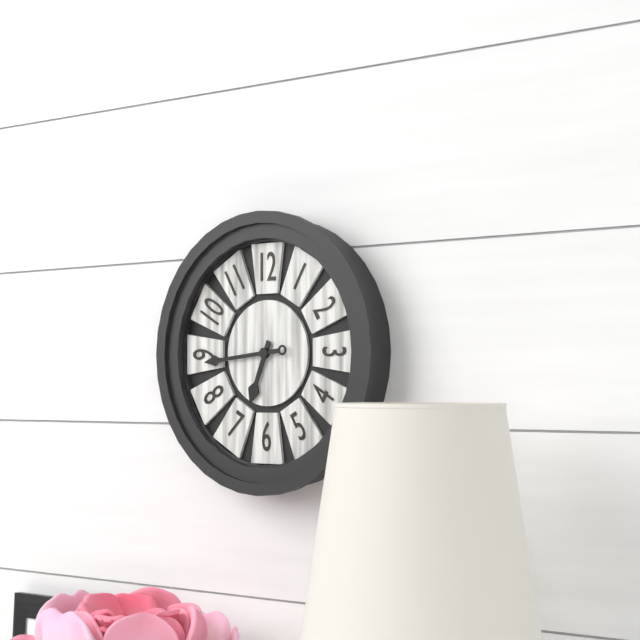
6,44
